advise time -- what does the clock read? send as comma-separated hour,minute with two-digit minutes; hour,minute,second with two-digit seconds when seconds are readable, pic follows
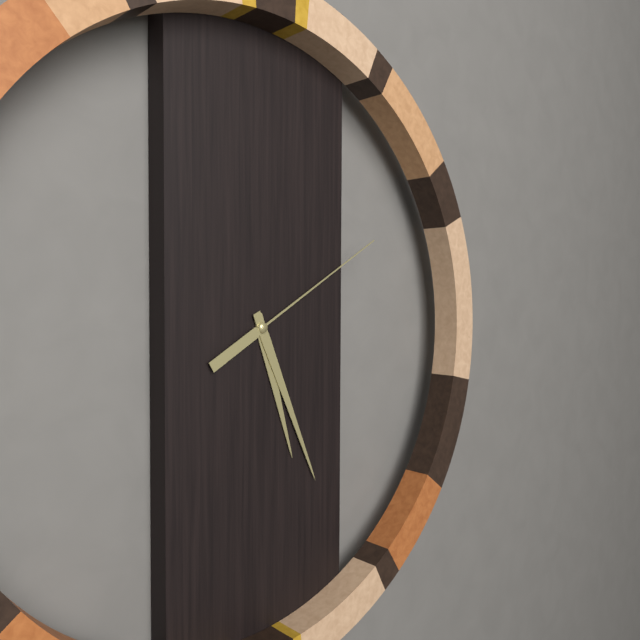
5,26,10
